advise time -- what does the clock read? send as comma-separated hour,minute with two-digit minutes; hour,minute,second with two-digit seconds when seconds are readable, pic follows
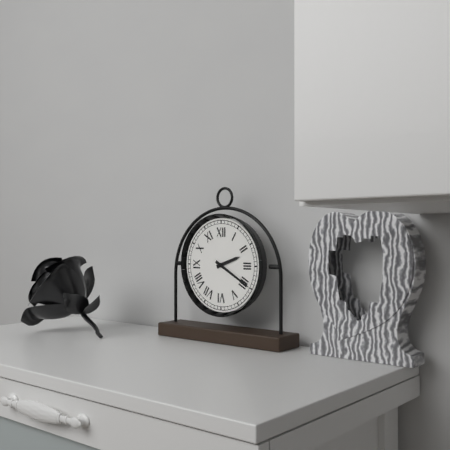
2,20
